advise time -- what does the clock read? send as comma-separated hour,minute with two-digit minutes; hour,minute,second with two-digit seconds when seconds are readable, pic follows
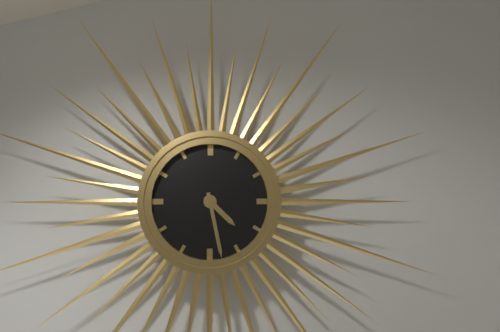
4,28
